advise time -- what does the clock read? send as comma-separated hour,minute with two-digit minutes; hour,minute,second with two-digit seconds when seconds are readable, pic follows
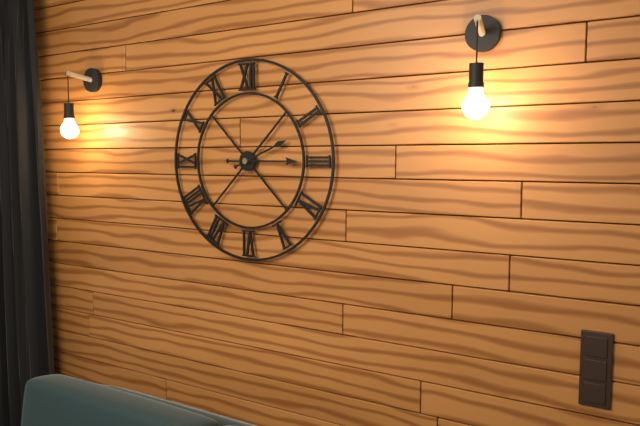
2,15
